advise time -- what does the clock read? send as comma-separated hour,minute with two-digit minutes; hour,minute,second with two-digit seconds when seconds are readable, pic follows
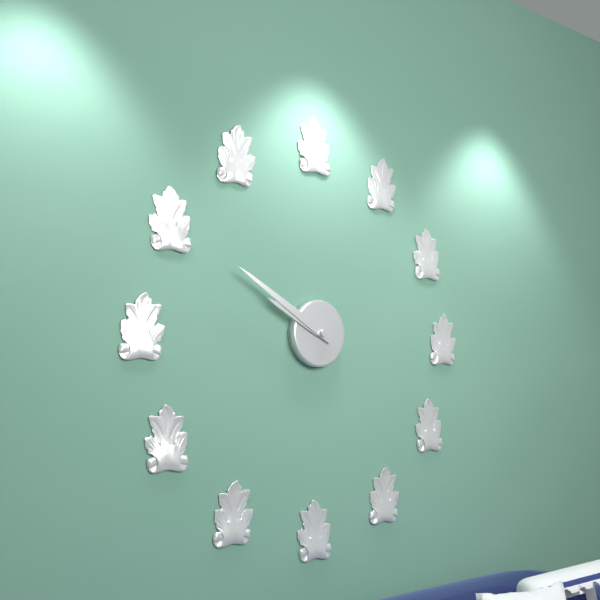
9,50
